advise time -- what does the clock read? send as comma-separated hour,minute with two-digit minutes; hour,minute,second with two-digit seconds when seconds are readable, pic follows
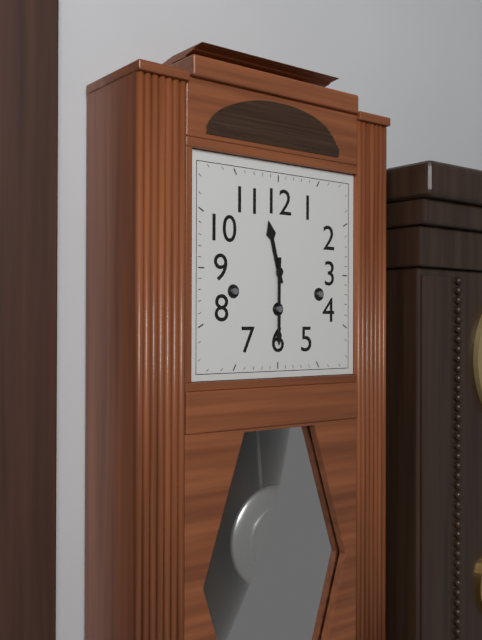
11,30
